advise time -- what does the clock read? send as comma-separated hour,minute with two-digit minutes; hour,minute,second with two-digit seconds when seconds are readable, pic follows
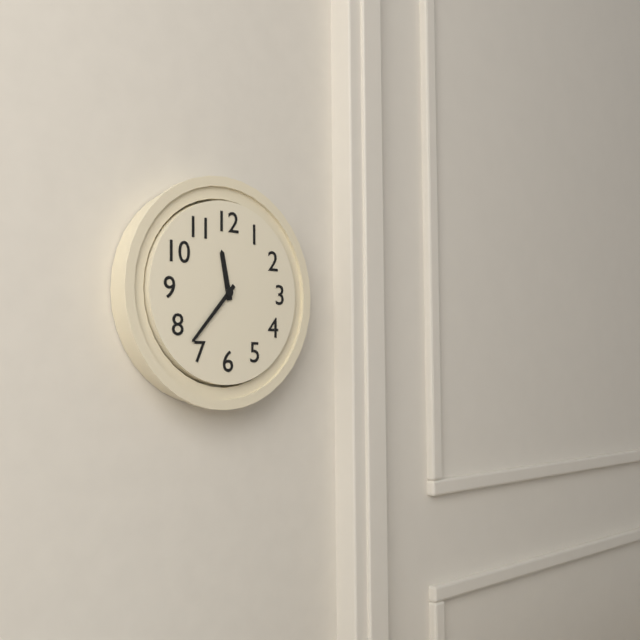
11,37
